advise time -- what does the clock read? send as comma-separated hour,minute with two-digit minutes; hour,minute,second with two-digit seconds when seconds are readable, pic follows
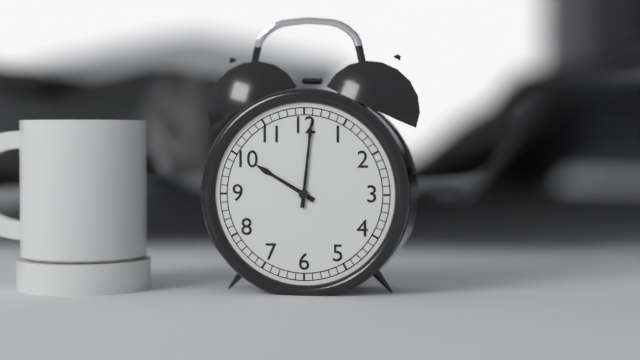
10,01
